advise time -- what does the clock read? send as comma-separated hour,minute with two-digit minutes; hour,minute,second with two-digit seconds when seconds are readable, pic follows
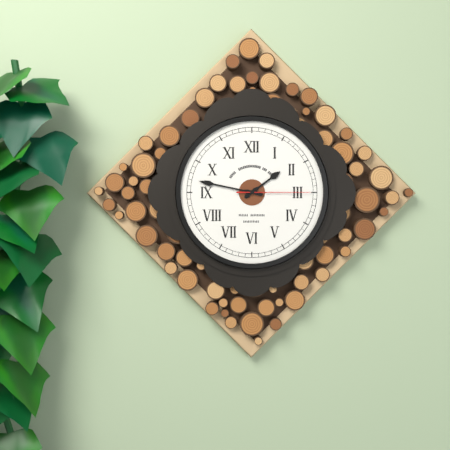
1,47,15
